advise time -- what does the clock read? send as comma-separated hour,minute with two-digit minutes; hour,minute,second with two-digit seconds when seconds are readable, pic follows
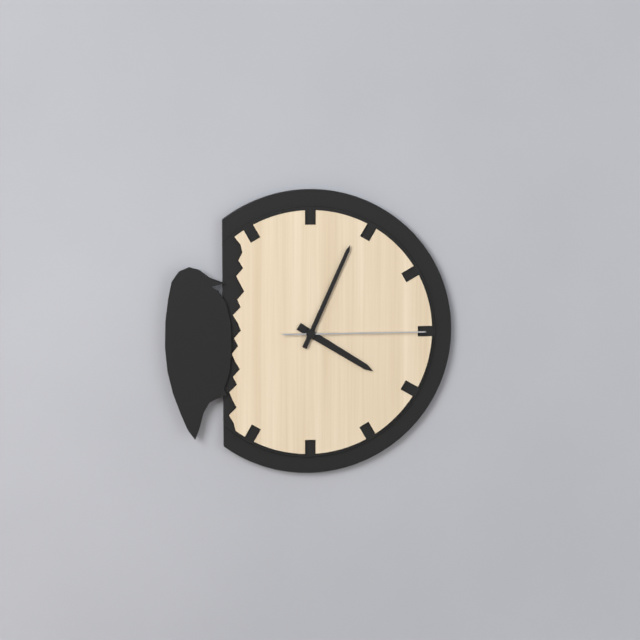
4,04,15
